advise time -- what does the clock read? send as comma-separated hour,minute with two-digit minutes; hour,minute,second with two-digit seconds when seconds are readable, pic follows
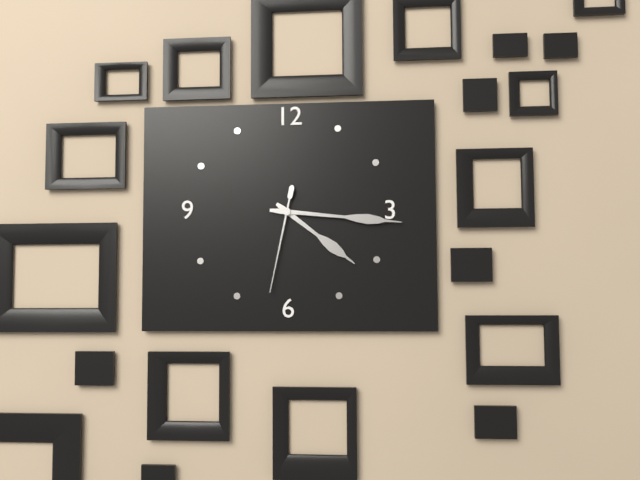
4,16,32
